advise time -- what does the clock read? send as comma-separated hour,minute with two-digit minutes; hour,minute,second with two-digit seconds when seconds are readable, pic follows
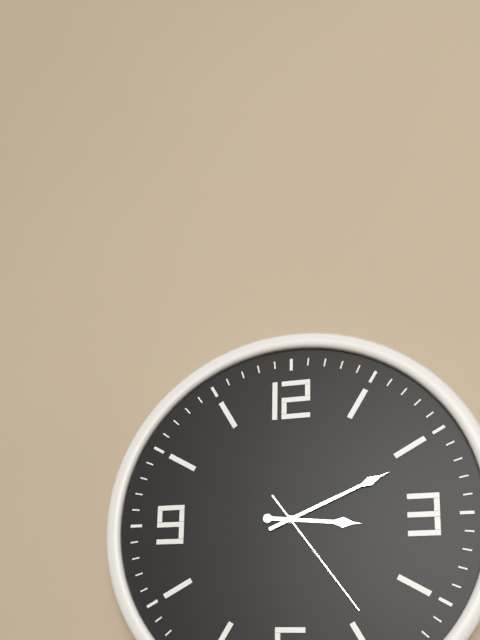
3,11,24
